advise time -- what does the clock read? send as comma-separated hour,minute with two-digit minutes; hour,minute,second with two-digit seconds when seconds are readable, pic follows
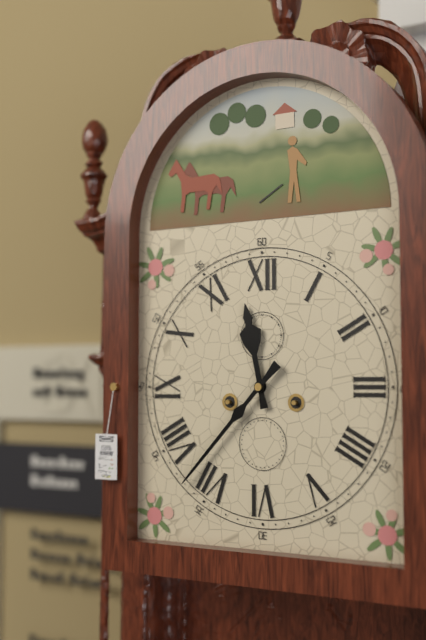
11,37
